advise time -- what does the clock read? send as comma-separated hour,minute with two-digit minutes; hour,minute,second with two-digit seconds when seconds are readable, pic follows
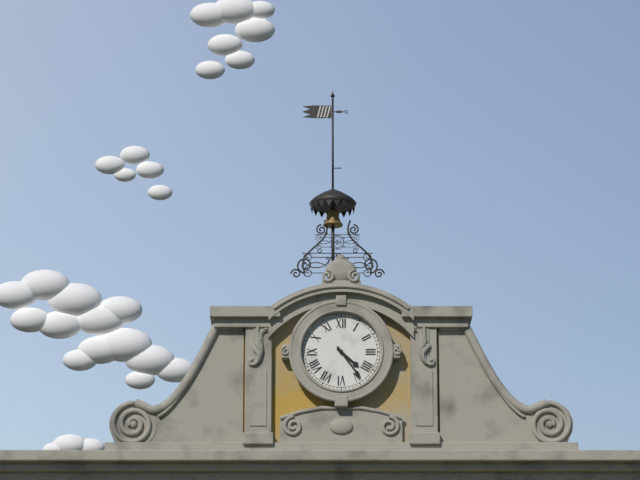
4,24
